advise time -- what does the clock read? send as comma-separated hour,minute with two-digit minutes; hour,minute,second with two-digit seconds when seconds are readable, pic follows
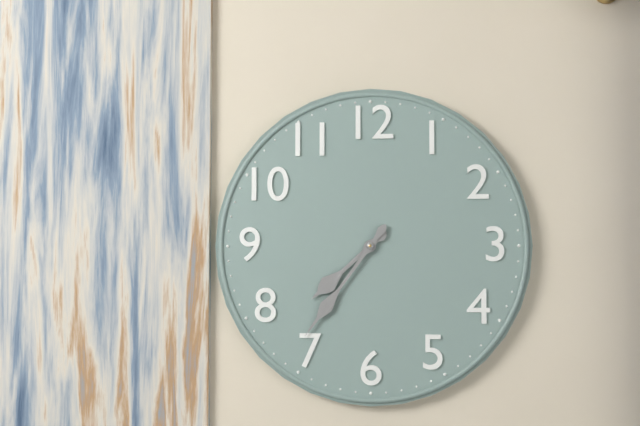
7,36
